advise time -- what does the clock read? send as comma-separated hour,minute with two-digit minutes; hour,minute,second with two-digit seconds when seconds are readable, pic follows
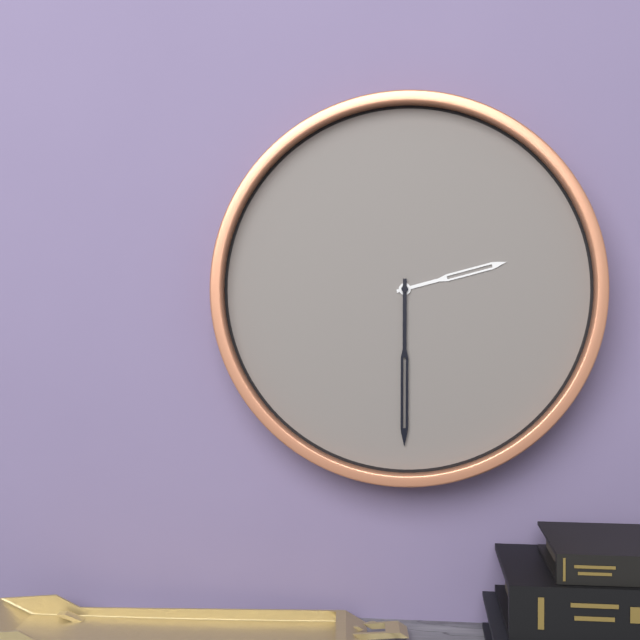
2,30
